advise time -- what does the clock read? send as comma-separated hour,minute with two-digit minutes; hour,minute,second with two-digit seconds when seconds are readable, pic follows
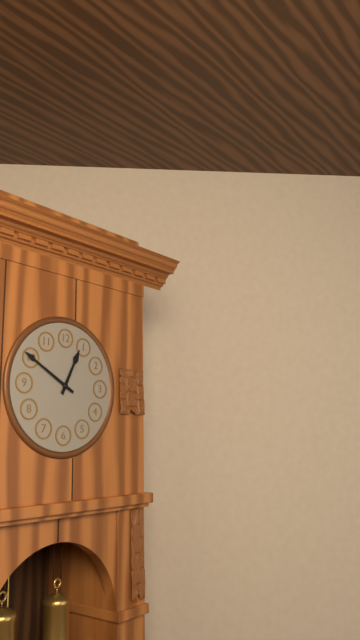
12,50
